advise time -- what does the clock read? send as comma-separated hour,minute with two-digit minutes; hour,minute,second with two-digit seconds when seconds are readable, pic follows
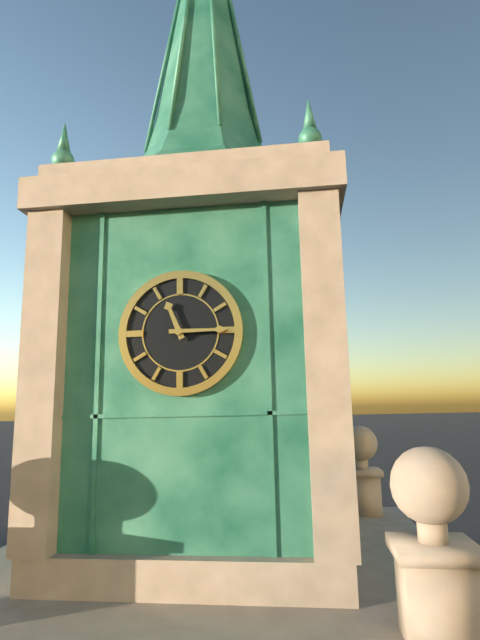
11,15
